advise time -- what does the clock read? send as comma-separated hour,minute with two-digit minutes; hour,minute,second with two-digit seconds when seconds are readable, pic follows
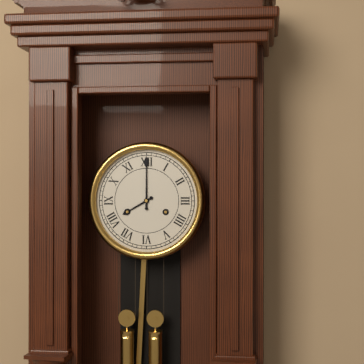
8,00
